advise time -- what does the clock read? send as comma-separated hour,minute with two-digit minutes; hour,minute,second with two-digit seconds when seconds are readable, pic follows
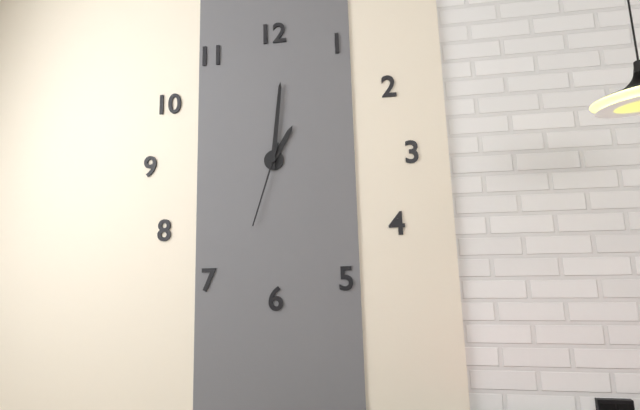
1,01,33
